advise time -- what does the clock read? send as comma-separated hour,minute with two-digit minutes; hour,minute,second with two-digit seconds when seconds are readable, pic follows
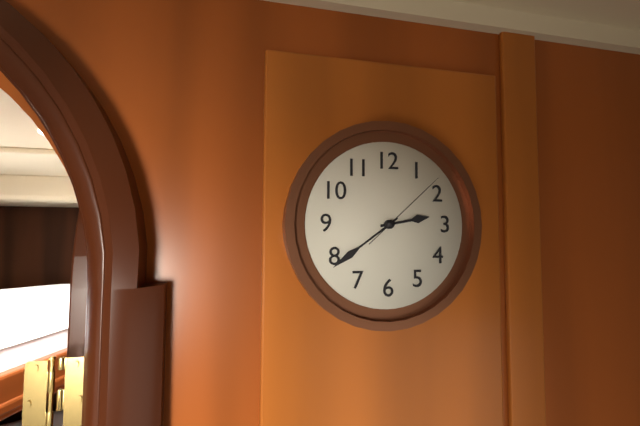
2,39,08
